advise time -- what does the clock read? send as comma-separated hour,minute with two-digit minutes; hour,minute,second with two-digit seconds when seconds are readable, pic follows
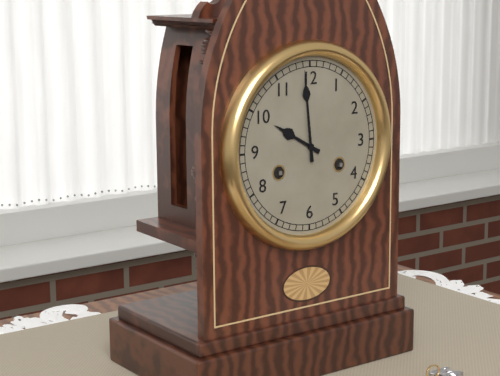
9,59
